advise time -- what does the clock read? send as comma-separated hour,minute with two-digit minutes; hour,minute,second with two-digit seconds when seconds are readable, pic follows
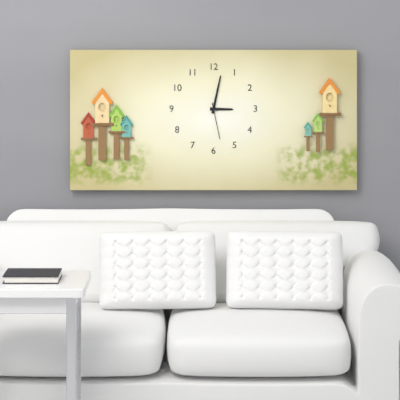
3,02
